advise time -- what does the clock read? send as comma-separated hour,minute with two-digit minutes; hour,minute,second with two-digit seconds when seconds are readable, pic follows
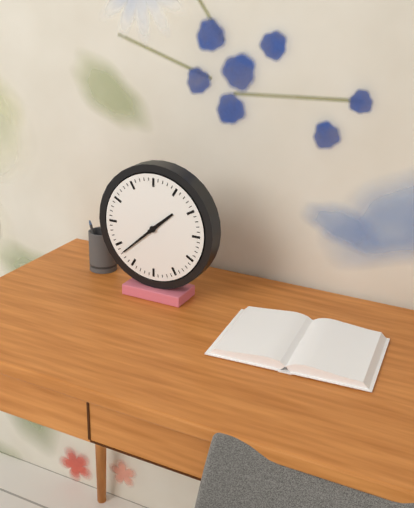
1,38
